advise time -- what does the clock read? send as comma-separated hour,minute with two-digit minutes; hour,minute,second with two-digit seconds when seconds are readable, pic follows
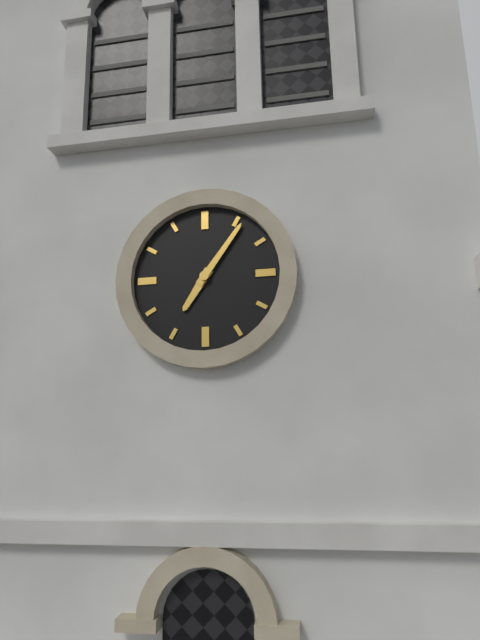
7,06
